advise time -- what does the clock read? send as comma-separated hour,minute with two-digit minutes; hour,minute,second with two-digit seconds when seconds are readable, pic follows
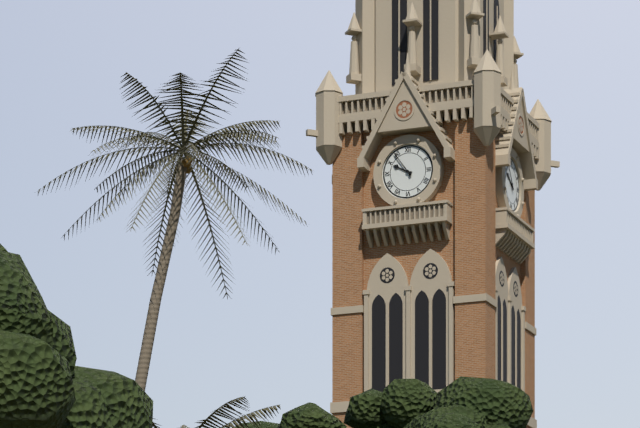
9,54
